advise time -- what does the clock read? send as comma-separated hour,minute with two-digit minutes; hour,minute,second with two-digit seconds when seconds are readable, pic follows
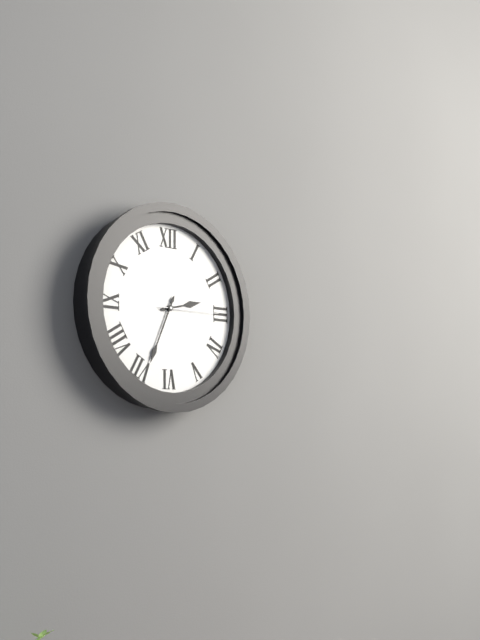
2,34,15
